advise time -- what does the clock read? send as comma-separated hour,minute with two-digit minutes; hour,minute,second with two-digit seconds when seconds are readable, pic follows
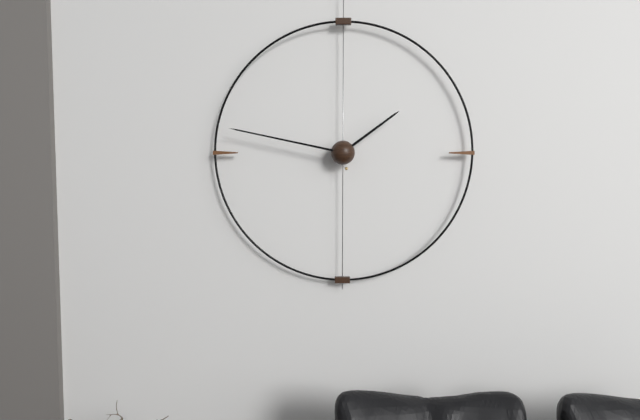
1,47
